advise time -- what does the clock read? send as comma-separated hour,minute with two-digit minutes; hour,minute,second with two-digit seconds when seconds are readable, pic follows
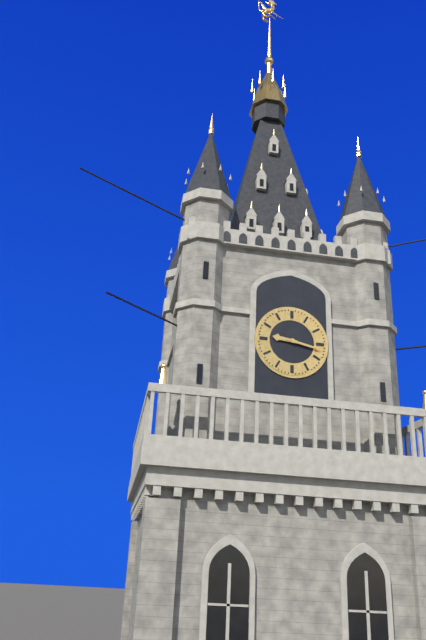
9,17
